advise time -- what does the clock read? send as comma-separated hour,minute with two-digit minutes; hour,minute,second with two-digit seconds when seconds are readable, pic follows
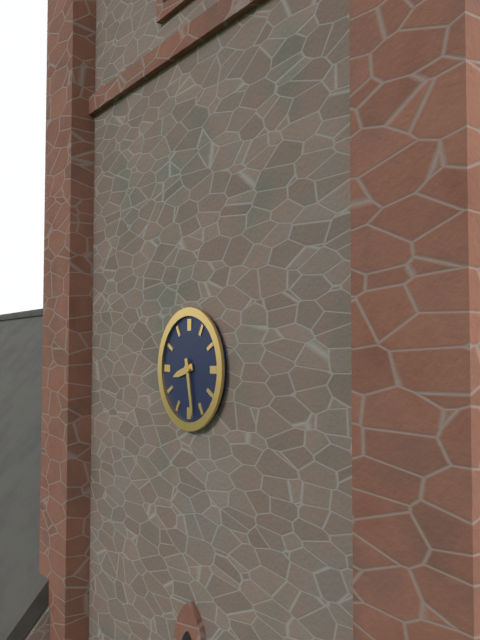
8,28
